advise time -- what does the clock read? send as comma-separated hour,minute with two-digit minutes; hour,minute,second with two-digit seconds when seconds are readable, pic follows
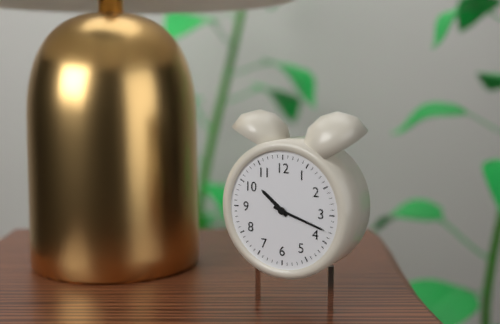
10,18
